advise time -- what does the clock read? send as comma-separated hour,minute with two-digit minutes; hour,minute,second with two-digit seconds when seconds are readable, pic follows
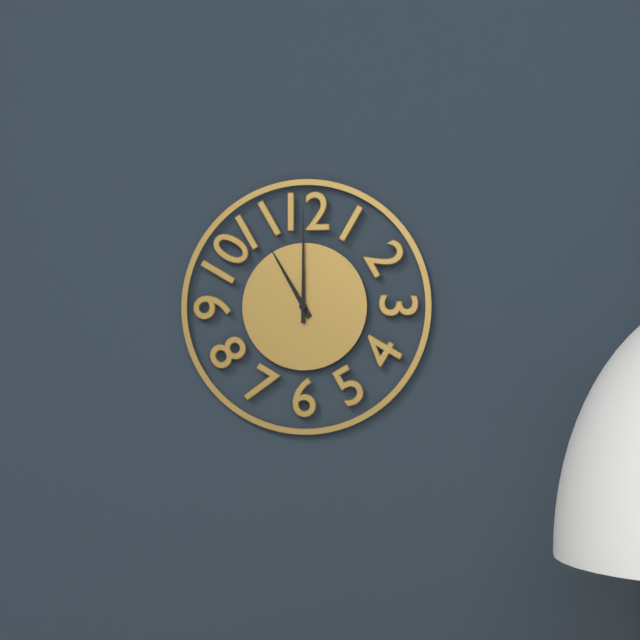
11,00
